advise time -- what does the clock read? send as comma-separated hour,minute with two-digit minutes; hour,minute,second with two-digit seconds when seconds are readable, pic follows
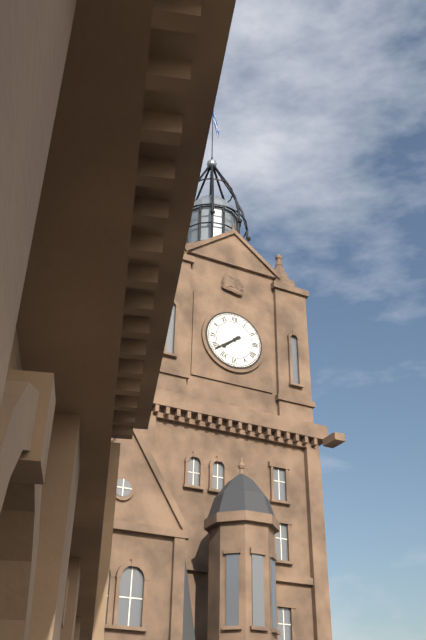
7,39
